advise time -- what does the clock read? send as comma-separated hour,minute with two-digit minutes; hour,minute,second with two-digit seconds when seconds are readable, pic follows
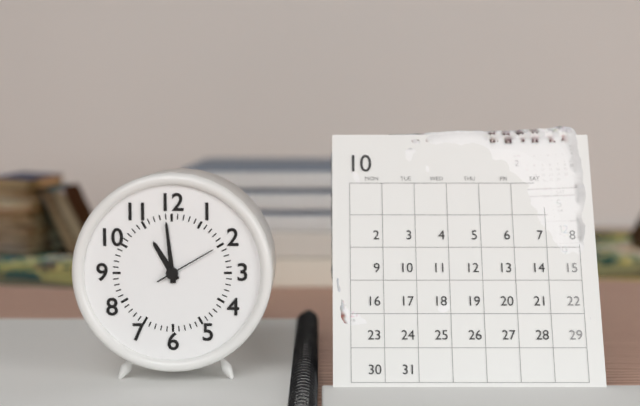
10,59,10
